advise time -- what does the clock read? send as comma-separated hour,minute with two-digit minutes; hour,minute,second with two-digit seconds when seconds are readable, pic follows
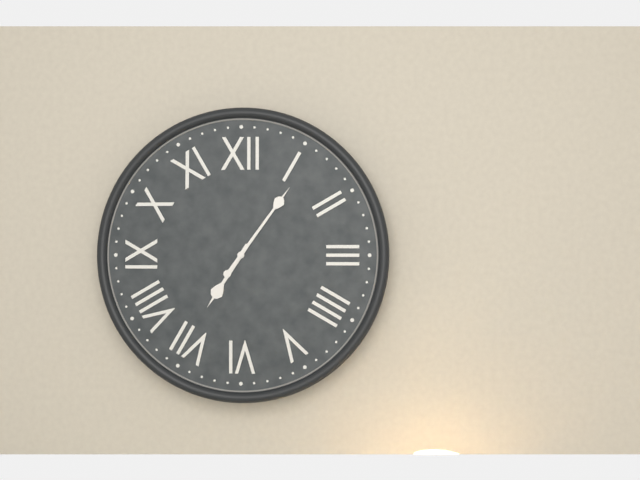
7,06
